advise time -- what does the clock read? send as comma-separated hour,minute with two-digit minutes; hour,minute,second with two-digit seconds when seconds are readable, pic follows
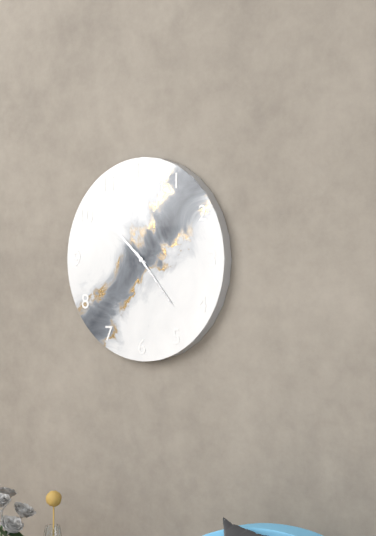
10,23
